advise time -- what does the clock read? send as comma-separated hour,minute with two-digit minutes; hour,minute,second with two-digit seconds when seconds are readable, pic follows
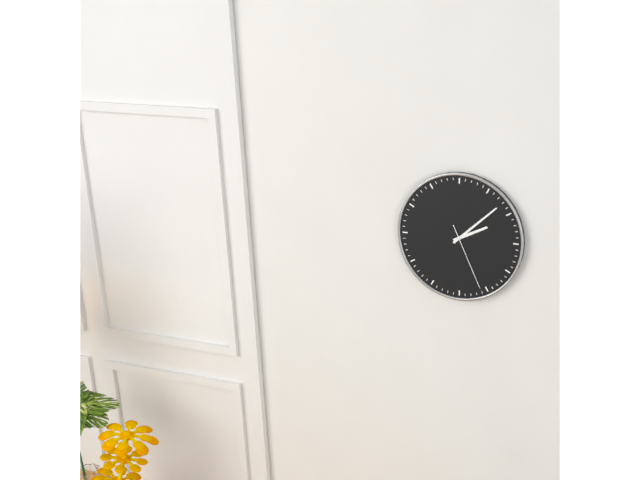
2,08,26
